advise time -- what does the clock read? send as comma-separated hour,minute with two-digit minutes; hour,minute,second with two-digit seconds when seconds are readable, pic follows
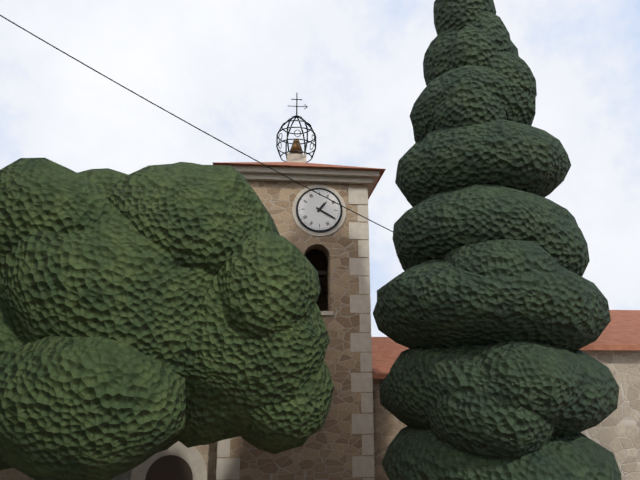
1,20
